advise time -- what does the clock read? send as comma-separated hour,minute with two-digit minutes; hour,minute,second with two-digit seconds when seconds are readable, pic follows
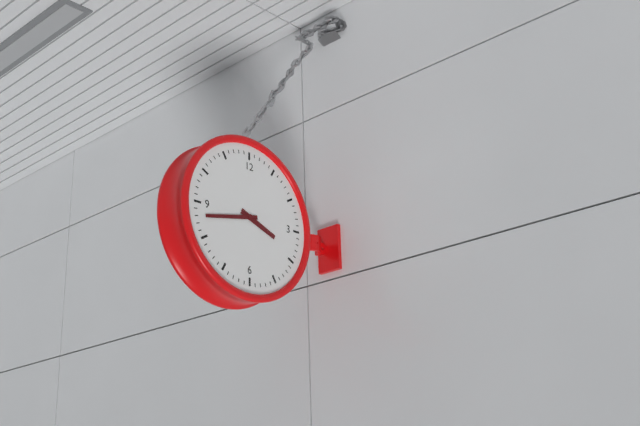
3,43
